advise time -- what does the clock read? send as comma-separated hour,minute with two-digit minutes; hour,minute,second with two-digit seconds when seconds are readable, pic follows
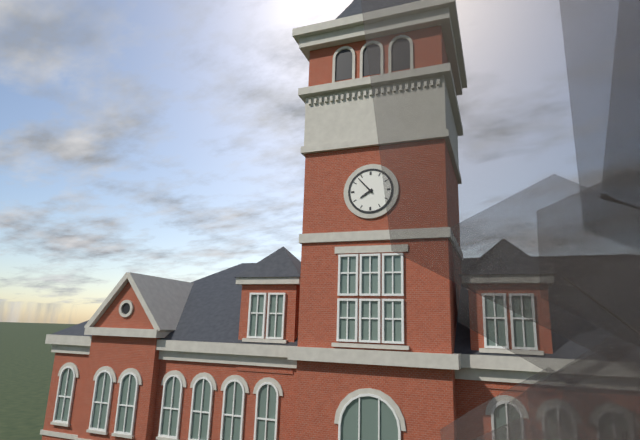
7,53
